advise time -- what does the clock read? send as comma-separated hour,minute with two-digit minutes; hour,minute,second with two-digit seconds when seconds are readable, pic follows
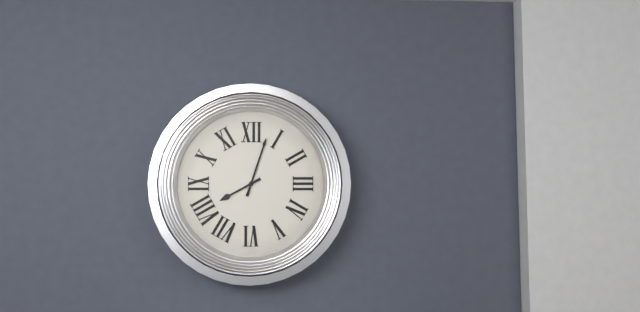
8,03
